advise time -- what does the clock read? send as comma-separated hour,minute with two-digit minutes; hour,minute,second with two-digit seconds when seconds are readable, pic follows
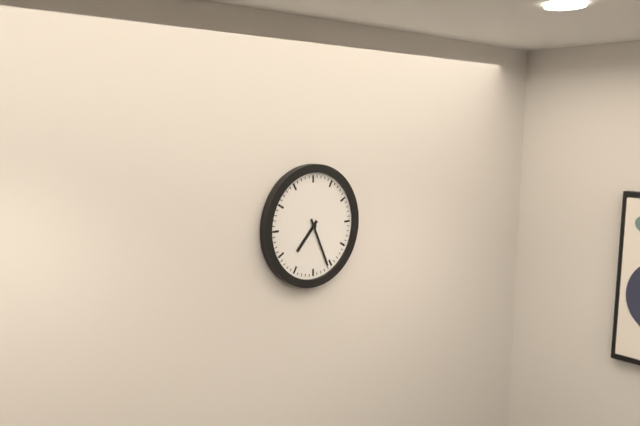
7,26
